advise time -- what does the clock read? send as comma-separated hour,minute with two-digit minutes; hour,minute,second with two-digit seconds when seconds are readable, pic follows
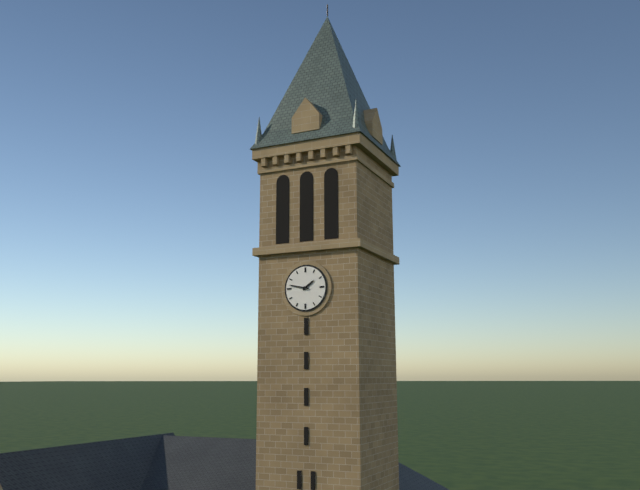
1,47
